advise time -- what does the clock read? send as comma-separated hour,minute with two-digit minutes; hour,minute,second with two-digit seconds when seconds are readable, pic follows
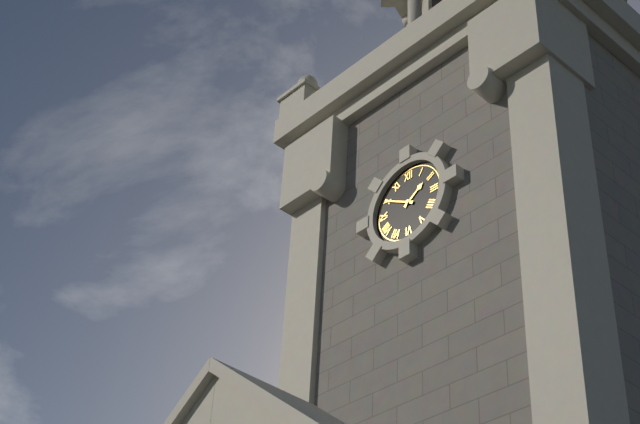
1,50
